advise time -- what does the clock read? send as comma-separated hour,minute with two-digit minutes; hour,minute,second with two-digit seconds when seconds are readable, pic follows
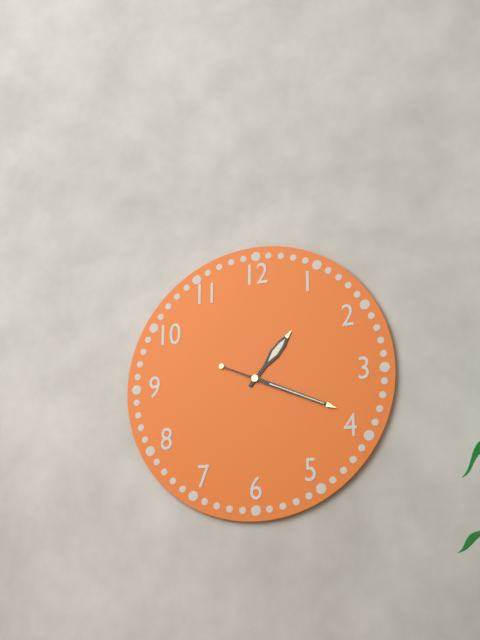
1,19
